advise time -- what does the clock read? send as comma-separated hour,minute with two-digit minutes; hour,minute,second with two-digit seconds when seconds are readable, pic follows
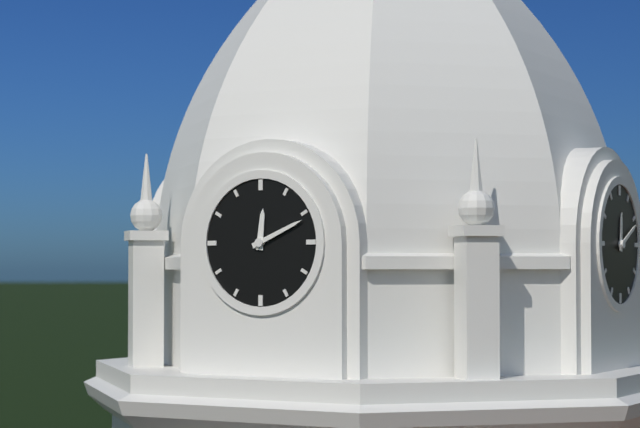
12,11
